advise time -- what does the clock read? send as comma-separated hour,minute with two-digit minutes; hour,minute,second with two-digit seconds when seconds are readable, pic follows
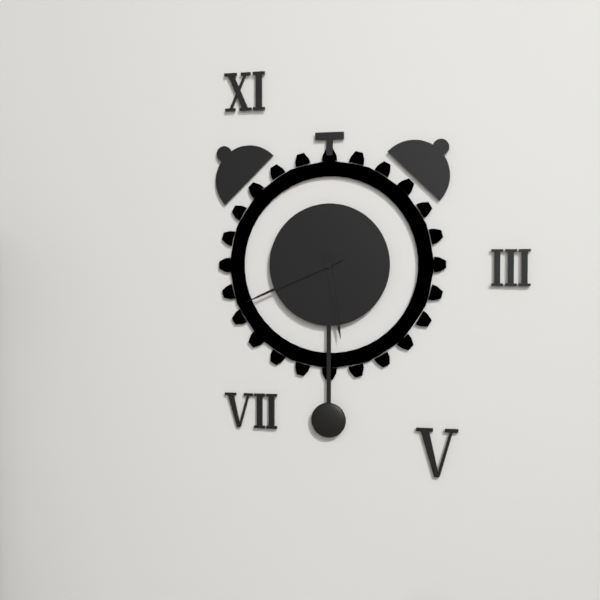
5,41
